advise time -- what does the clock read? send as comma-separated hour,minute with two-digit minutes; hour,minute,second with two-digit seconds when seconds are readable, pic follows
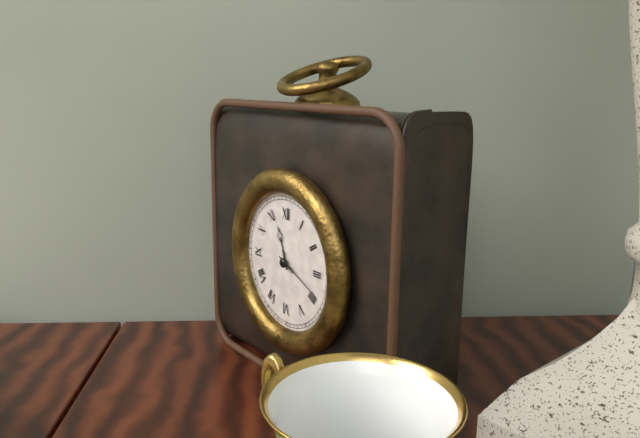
11,19
